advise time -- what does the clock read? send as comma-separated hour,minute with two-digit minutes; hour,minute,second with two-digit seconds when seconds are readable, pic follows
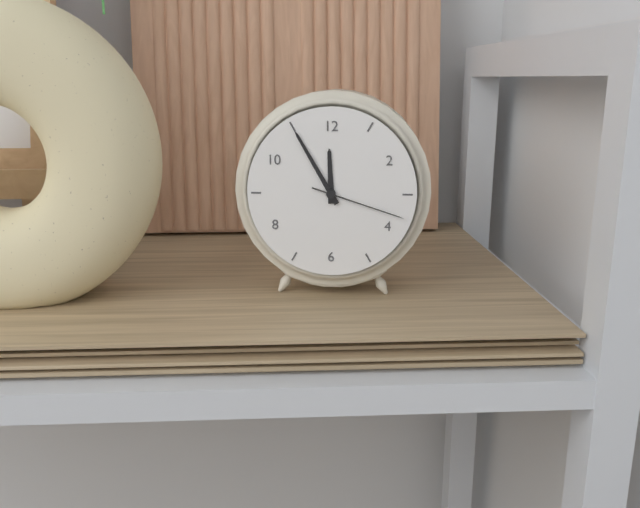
11,55,18
